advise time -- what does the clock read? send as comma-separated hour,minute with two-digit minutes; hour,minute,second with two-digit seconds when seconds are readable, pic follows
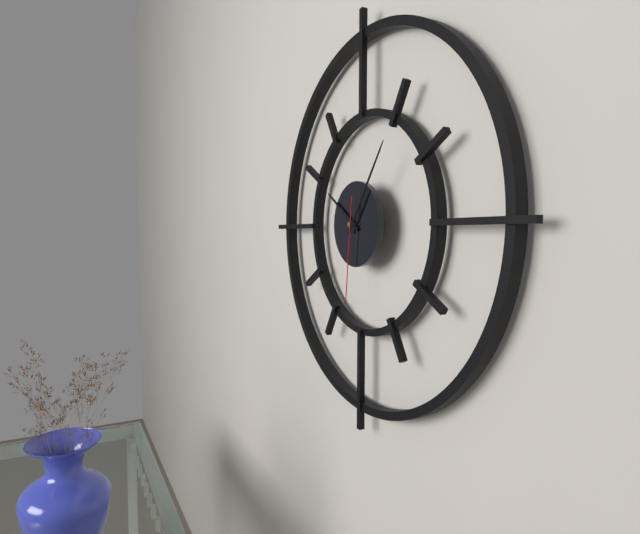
10,06,31
